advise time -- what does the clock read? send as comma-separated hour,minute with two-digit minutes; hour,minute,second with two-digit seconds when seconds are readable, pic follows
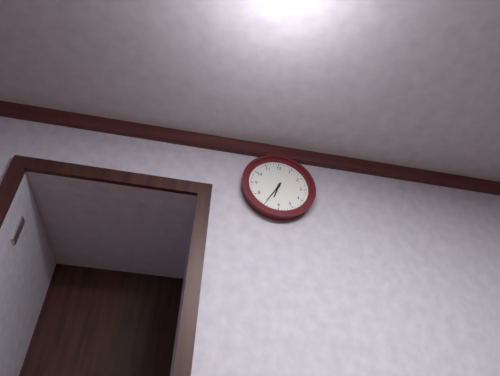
6,35
